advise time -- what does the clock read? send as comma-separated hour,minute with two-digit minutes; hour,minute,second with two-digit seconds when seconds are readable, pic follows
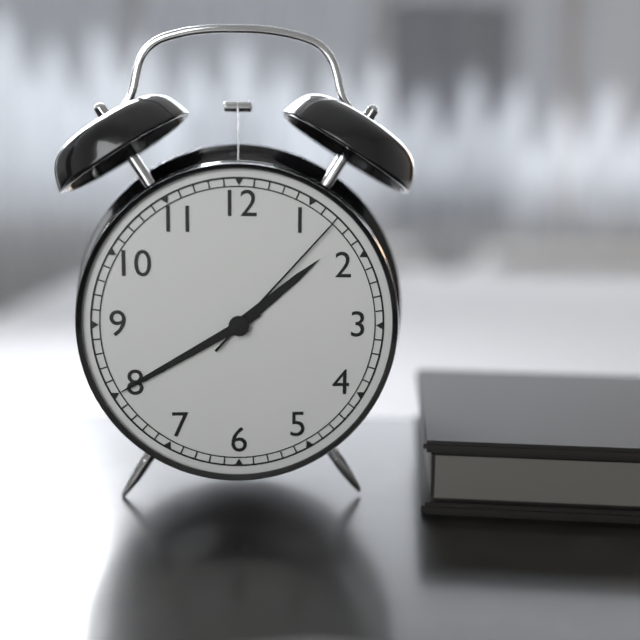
1,40,07
